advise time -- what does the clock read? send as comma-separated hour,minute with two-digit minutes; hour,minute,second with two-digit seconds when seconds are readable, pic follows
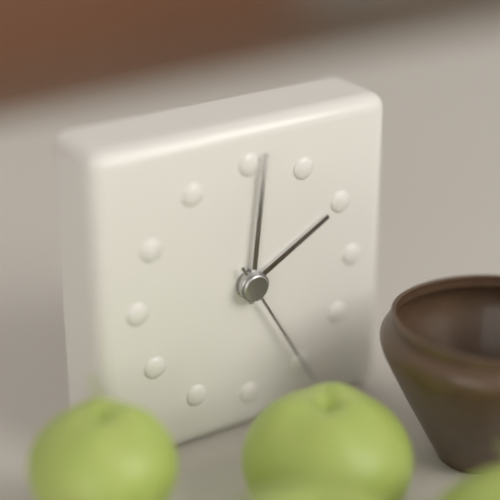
2,01,25
